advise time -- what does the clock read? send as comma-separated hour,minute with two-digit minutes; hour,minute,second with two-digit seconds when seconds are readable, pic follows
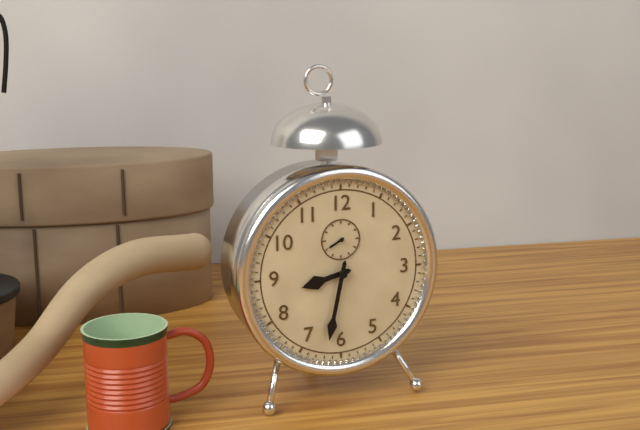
8,32
